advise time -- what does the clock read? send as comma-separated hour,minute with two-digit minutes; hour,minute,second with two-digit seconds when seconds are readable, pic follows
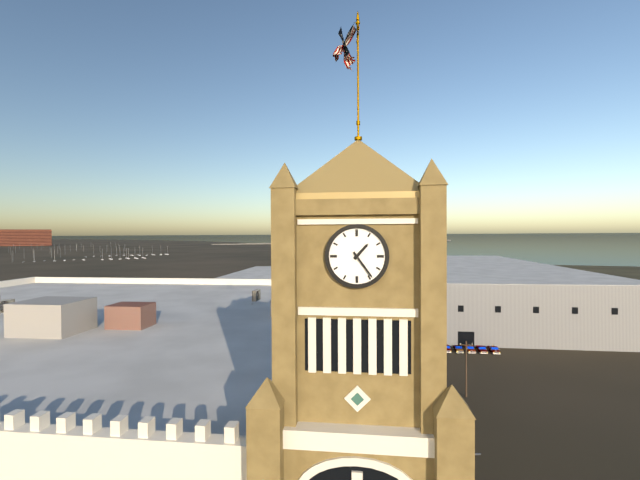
1,24
